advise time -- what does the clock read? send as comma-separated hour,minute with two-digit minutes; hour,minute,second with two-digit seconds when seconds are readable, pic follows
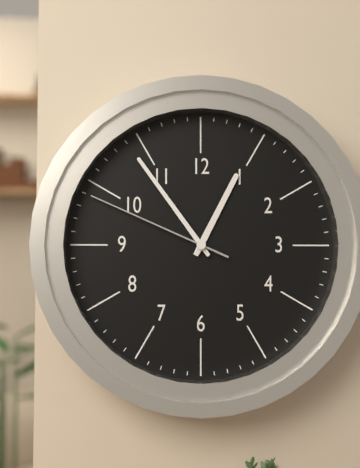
12,54,49
